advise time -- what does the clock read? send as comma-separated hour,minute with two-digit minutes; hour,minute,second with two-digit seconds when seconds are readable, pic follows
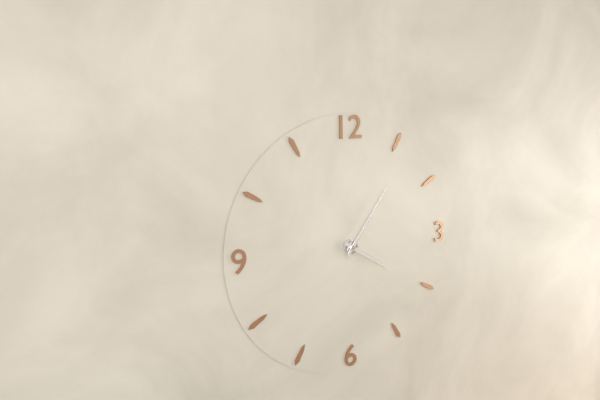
4,06
